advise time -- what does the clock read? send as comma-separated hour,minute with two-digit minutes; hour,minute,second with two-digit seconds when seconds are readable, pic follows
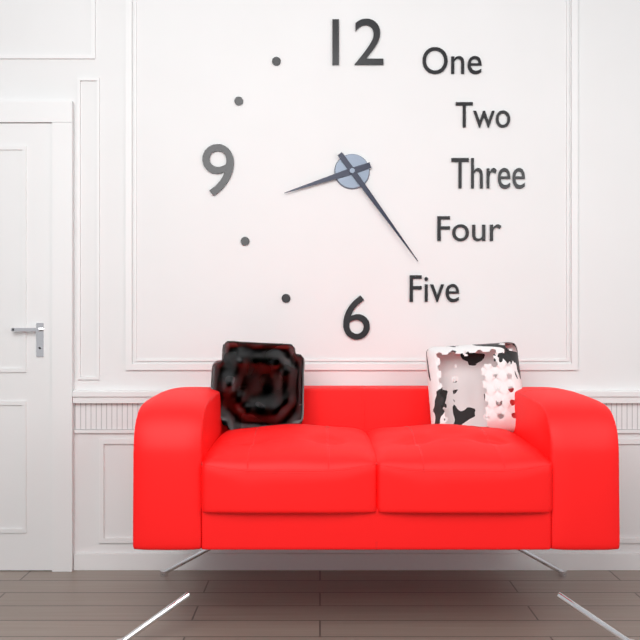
8,24
